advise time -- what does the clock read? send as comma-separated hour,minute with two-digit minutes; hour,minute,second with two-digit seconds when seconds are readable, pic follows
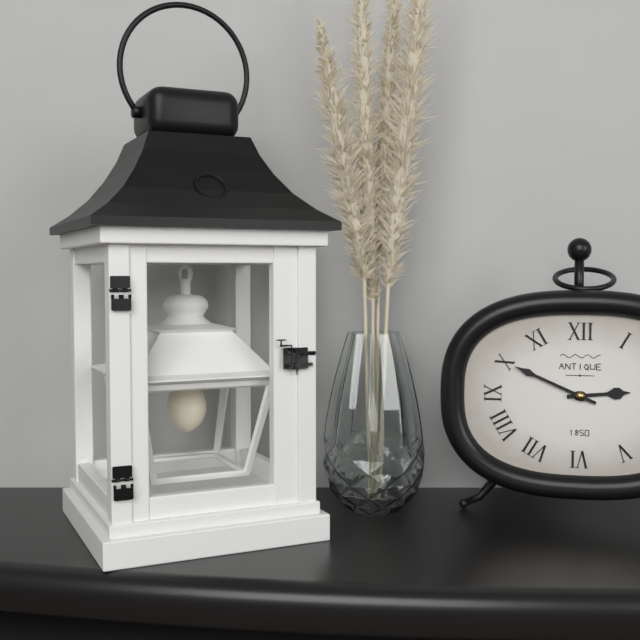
2,49
